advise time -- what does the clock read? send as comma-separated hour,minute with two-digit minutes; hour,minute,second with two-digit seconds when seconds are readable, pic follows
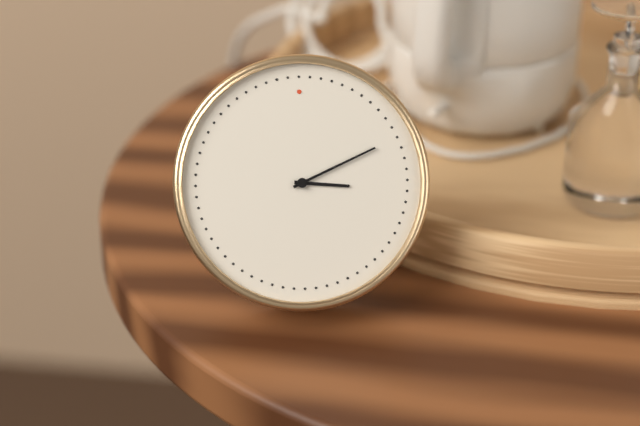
3,11
